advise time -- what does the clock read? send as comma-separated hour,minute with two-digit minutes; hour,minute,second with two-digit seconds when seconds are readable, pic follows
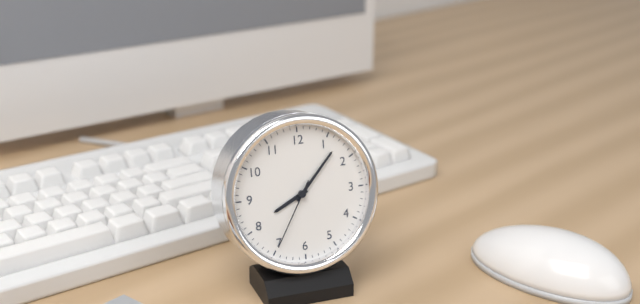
8,07,35
